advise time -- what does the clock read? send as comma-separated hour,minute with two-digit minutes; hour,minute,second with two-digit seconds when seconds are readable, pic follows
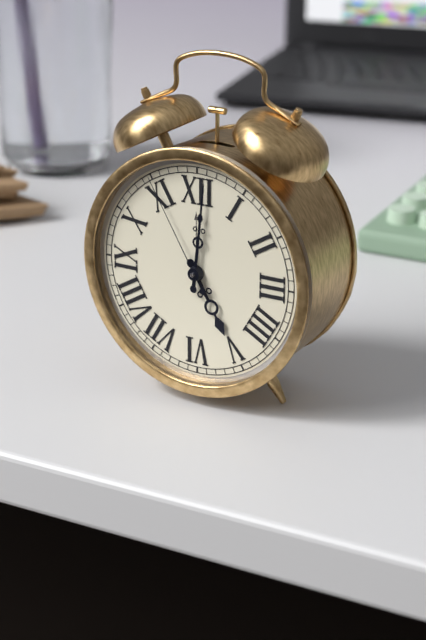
5,01,55
